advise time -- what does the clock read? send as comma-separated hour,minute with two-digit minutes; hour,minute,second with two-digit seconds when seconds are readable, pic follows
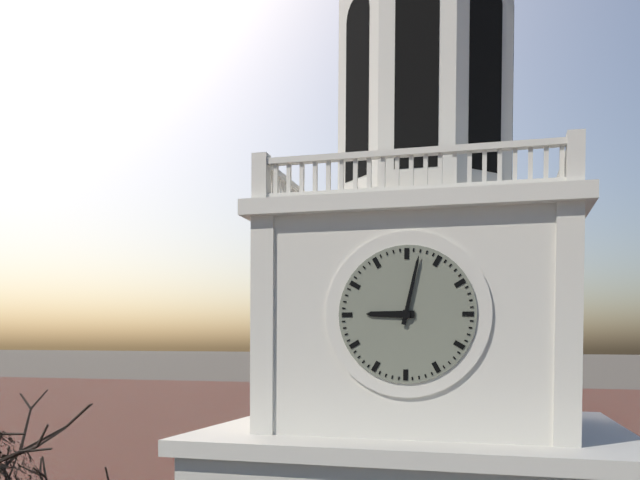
9,02
